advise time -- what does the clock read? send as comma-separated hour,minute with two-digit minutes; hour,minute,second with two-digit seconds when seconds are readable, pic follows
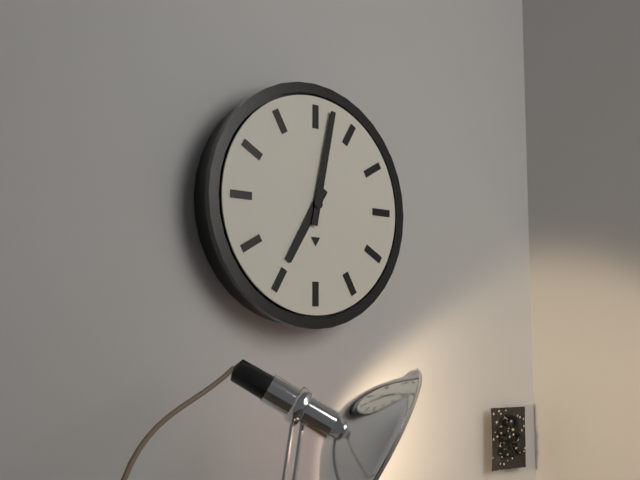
7,02
